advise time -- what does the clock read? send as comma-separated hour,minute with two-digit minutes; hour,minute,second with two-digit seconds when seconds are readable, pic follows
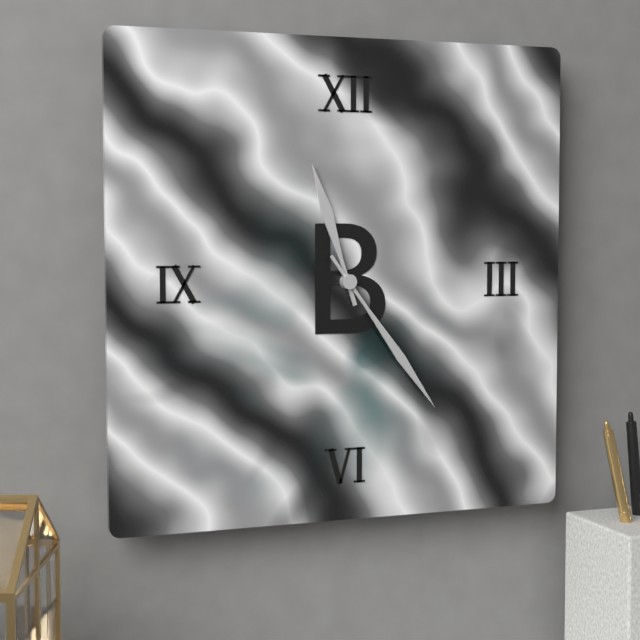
11,24
